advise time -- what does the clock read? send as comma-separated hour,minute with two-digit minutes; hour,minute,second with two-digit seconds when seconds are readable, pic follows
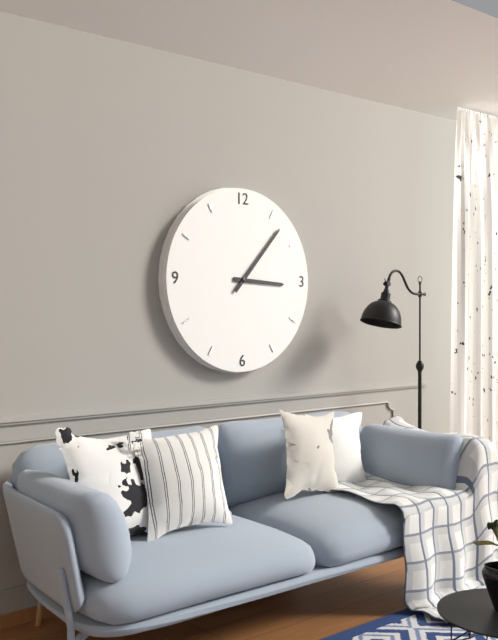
3,07
